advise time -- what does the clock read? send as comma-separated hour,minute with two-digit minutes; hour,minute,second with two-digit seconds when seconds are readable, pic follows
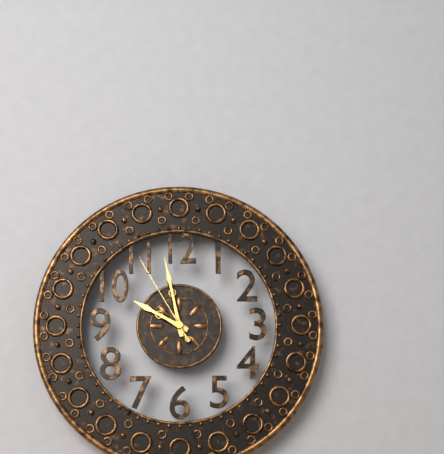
9,58,55
